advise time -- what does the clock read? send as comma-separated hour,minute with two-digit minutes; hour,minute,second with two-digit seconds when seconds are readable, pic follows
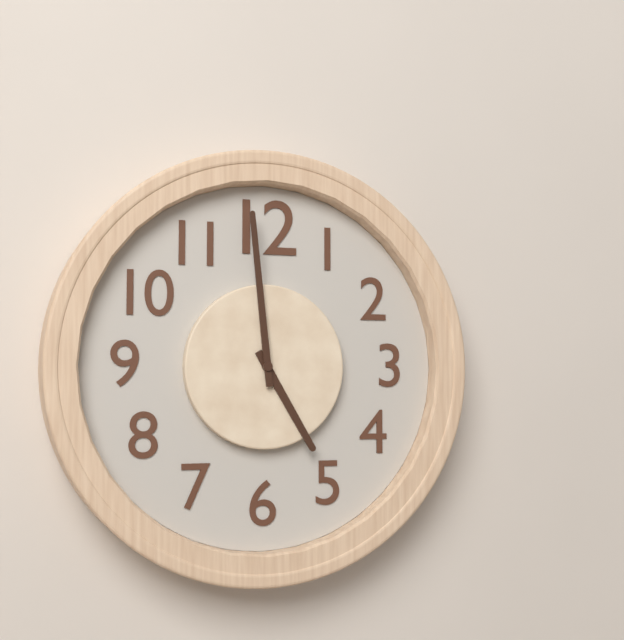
4,59
